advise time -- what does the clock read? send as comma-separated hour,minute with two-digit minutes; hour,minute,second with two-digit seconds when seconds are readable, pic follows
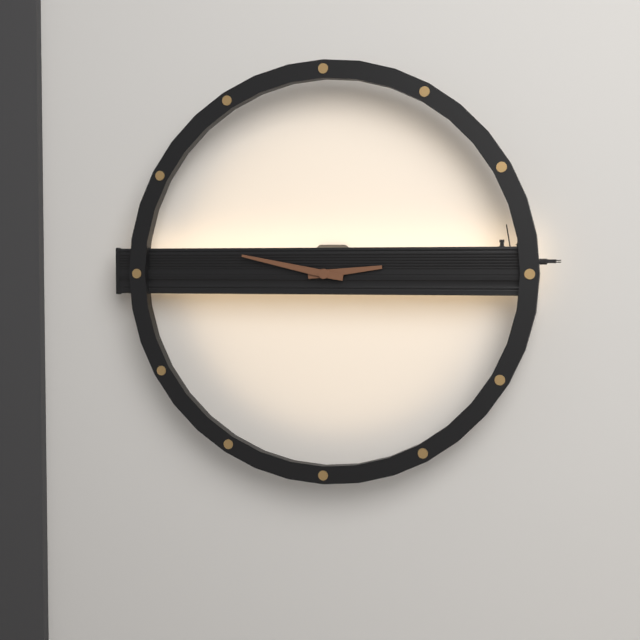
2,47
